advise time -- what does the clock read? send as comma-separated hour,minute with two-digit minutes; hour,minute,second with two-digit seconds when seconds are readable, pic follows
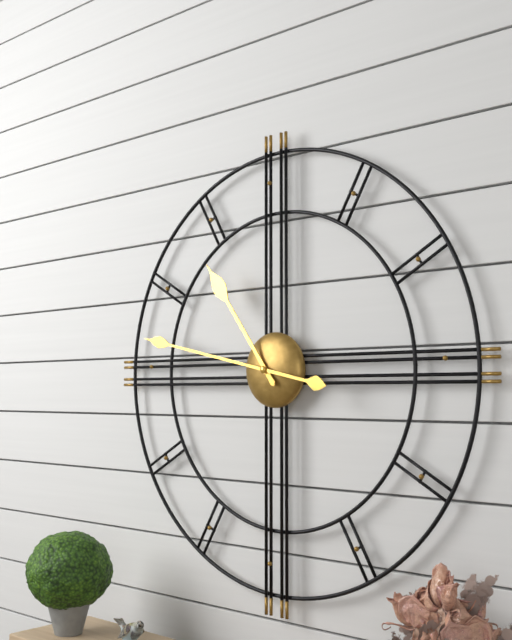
10,47
